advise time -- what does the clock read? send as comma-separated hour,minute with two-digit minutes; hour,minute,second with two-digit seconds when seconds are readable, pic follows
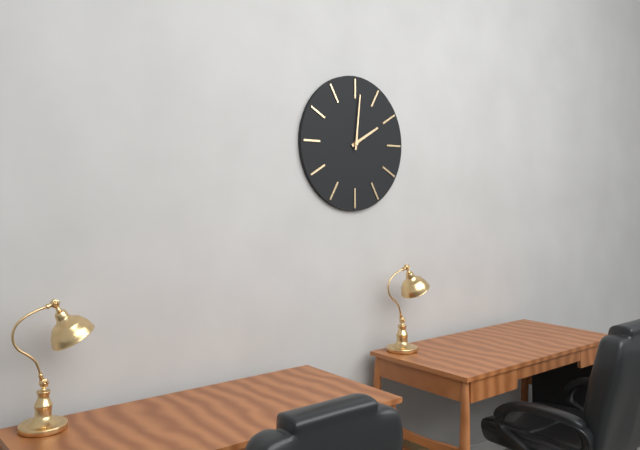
2,01
